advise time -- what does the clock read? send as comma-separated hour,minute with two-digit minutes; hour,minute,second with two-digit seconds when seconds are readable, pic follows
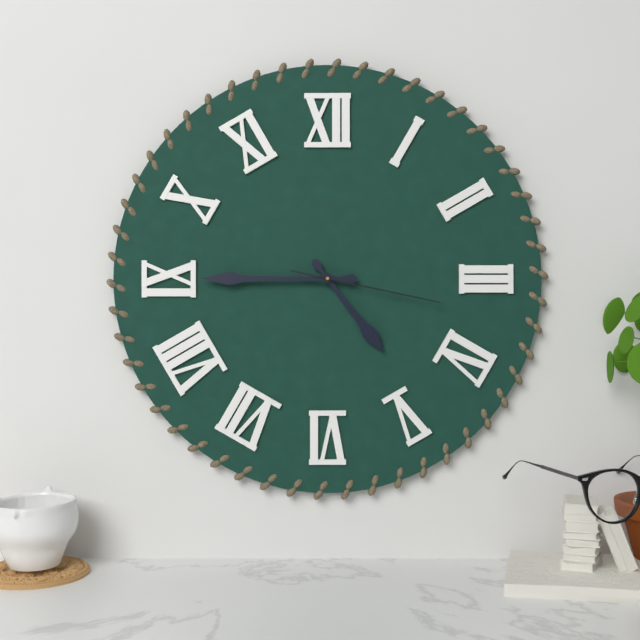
4,45,17
